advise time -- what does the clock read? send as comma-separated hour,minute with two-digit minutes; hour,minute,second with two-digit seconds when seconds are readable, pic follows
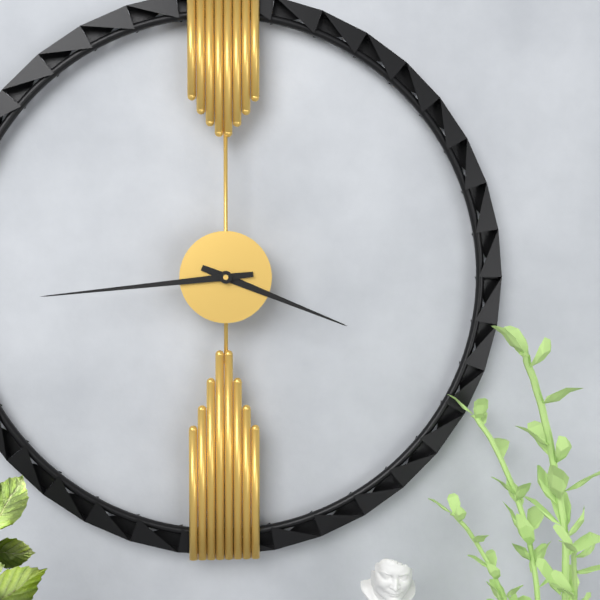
3,44
